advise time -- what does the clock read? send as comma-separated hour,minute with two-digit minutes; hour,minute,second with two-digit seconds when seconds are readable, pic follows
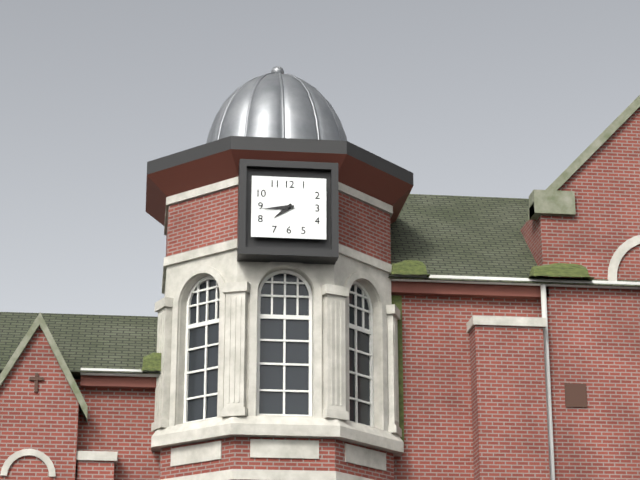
7,44
